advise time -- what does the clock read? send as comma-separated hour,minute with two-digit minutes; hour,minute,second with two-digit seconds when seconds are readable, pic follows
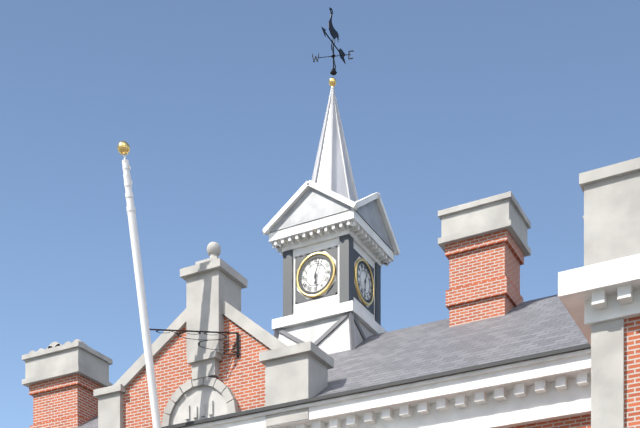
6,03
